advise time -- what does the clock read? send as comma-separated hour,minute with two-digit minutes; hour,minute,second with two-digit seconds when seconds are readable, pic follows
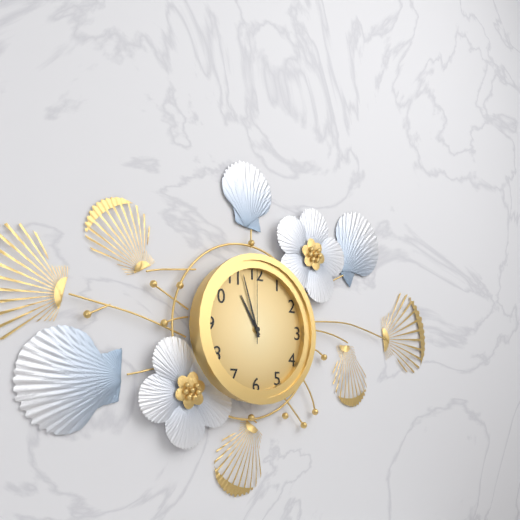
10,57,00
